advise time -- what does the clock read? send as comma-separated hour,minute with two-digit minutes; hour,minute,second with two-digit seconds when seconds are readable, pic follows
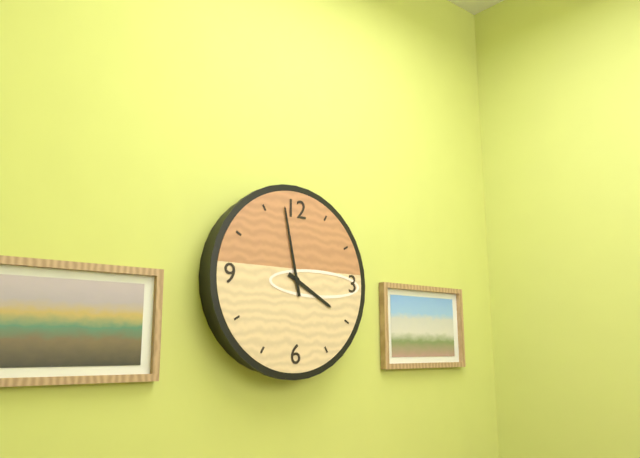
3,58
